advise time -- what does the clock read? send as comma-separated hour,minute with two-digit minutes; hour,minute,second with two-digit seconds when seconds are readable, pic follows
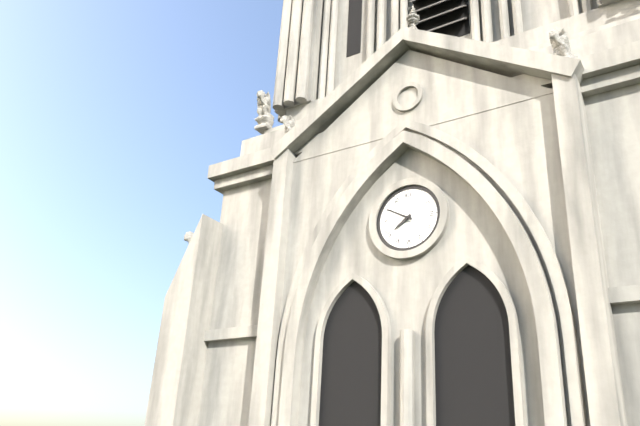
7,50
